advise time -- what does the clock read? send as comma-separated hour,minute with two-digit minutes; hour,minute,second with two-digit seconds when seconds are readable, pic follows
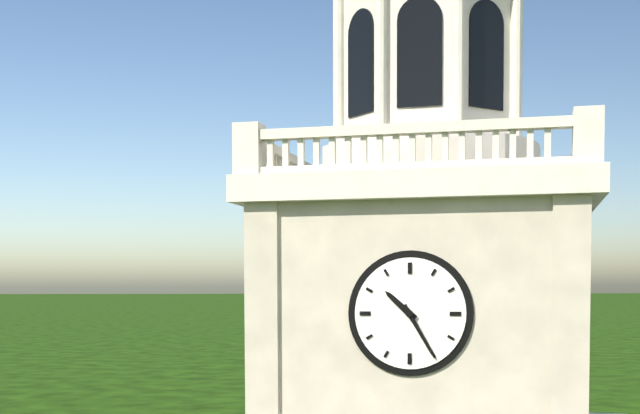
10,25
